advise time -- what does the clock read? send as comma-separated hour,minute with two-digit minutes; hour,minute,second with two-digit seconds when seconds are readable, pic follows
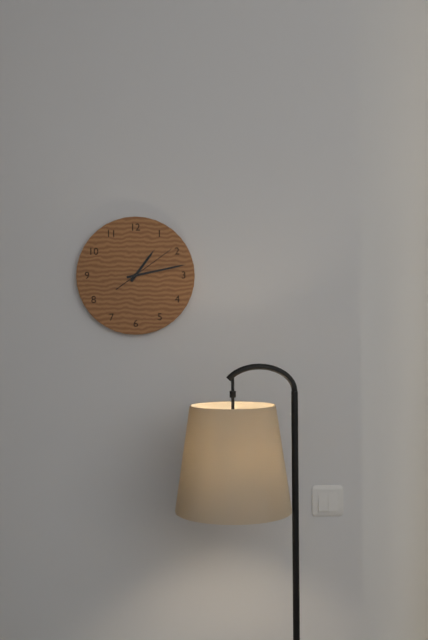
1,13,09
